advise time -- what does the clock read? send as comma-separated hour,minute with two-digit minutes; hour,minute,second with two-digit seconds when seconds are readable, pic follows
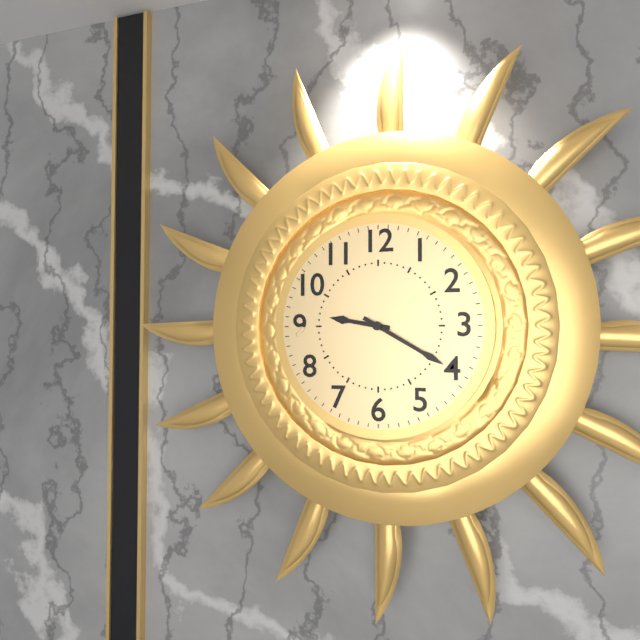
9,20
